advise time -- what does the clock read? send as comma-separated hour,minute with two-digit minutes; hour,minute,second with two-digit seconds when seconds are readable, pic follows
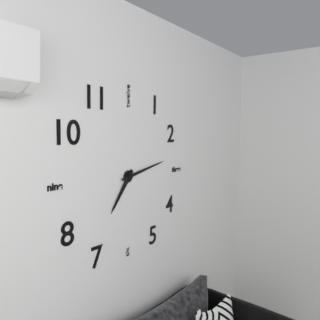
7,13
